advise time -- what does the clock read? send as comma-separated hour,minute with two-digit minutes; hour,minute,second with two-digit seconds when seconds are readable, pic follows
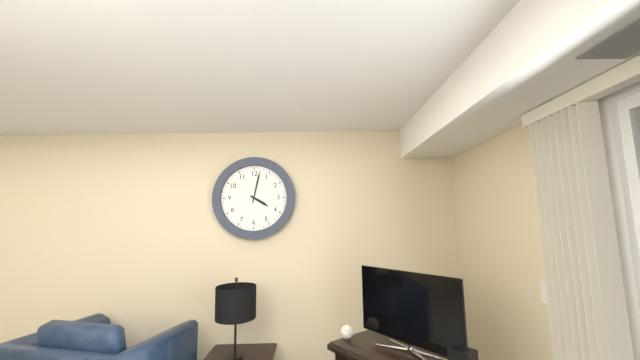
4,02
